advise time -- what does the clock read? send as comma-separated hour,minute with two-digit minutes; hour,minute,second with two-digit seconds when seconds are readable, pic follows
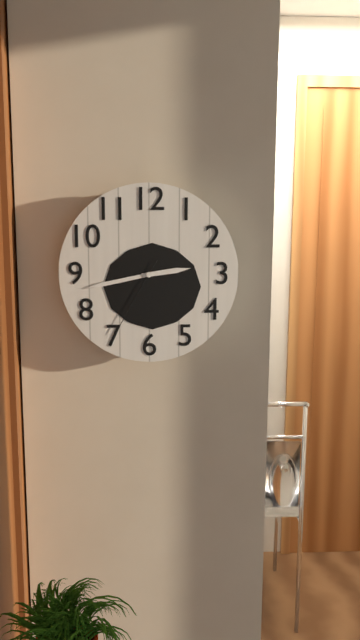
2,43,35
